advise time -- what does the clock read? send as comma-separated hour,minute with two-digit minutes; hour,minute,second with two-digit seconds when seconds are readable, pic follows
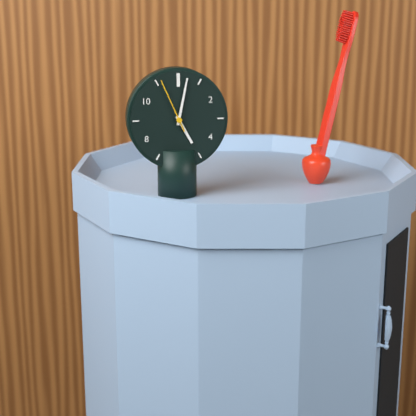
5,02,56
